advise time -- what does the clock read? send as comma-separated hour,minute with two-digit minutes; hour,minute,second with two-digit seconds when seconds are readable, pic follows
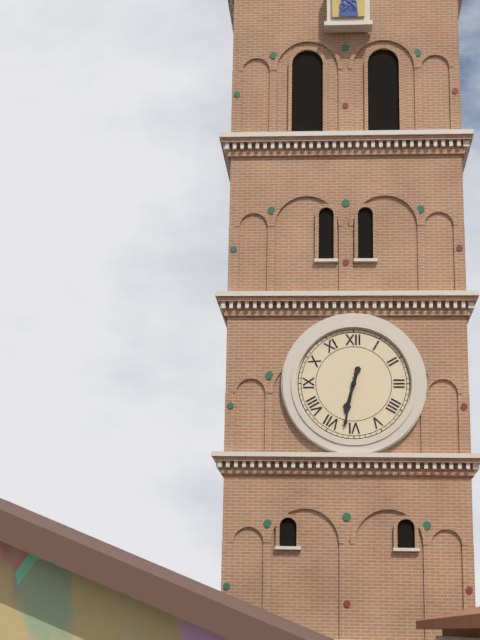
6,32
